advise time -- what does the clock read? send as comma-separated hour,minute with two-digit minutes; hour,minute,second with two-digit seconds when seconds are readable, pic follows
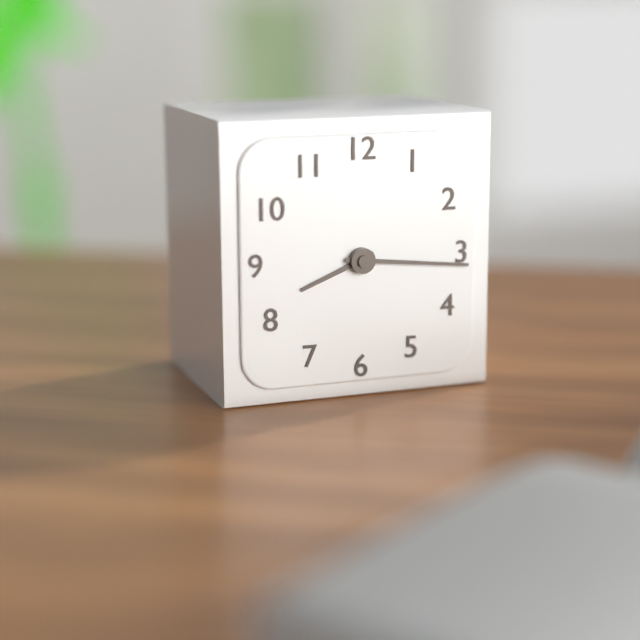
8,16
